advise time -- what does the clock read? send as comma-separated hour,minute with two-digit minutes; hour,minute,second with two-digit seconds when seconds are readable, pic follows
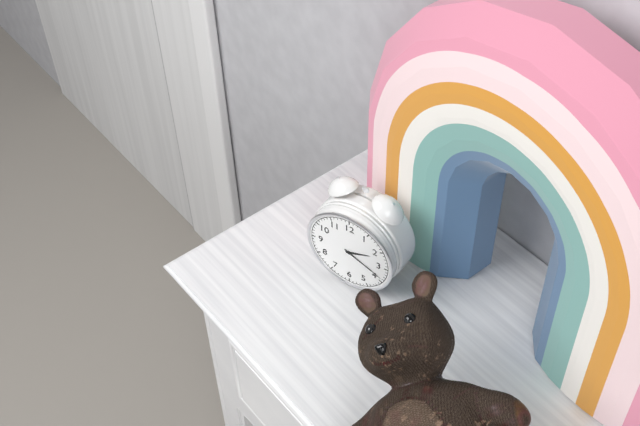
2,19
